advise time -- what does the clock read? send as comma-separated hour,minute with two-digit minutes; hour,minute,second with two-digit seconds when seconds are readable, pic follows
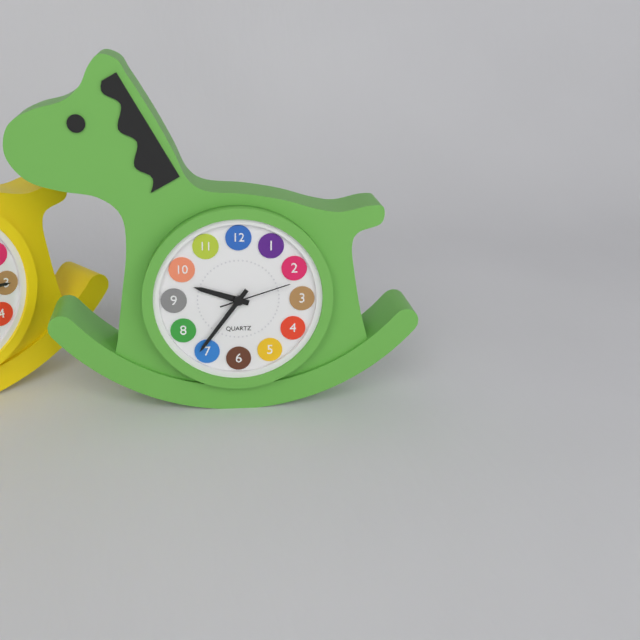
9,36,12
